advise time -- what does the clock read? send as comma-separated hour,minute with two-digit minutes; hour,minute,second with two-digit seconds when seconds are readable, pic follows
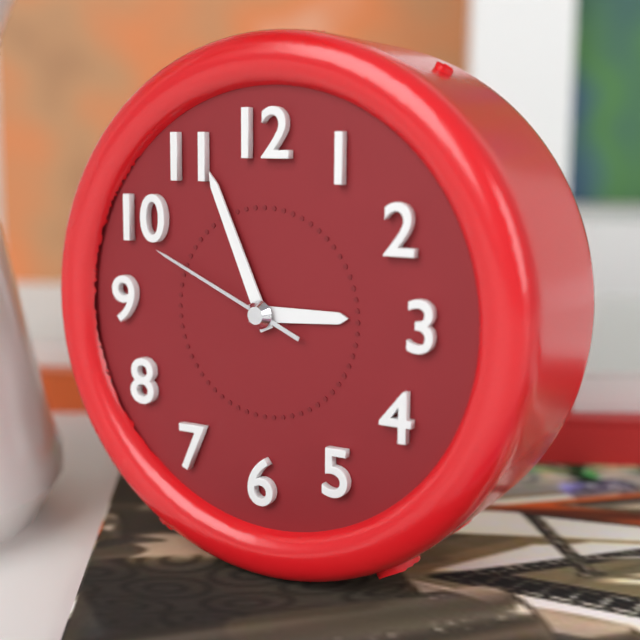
2,56,49
